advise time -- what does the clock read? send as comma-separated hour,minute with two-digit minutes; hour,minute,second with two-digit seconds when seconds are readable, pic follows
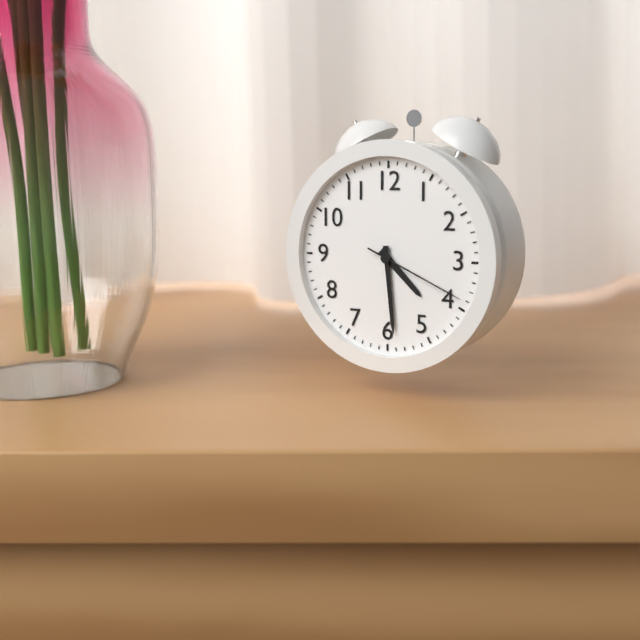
4,29,19
